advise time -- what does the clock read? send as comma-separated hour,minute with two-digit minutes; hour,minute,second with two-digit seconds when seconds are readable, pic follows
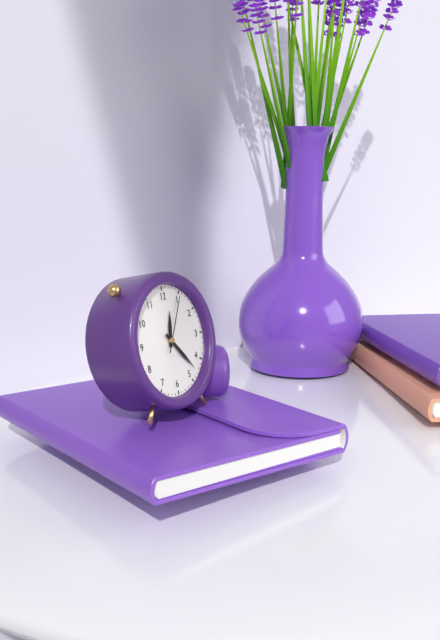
12,23,05
